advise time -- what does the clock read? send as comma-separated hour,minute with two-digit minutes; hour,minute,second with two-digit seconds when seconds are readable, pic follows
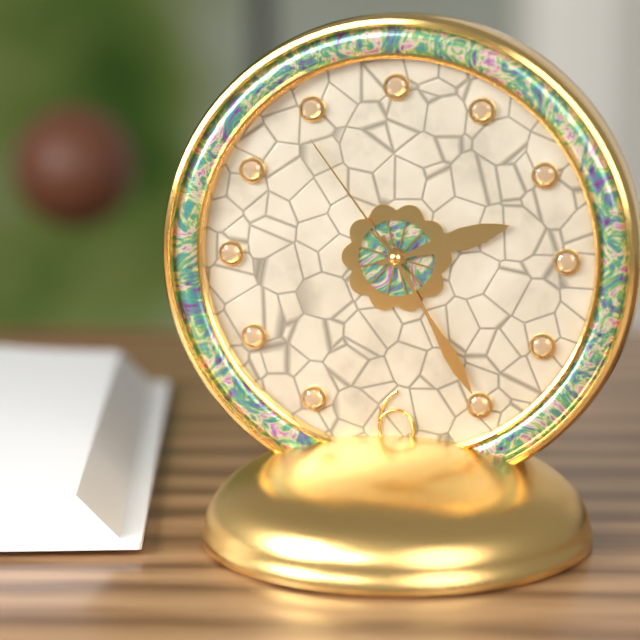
2,25,54
